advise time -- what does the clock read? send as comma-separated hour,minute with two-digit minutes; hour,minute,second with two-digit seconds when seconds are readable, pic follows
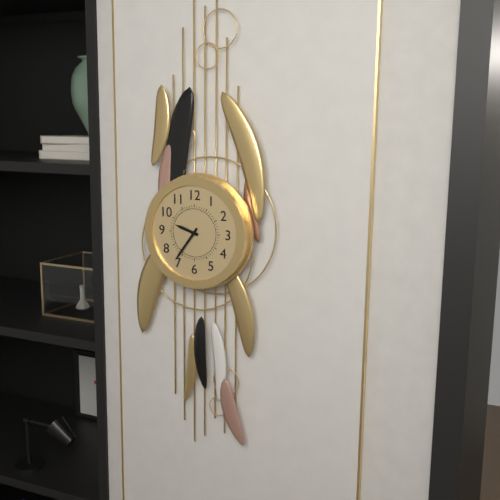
9,36
